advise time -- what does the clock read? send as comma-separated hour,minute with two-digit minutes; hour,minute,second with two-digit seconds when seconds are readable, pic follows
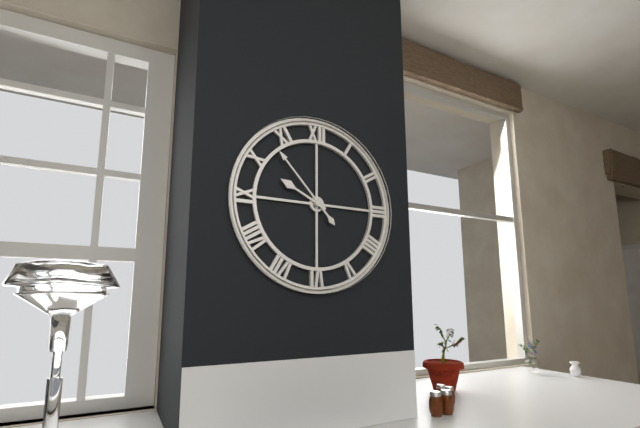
9,53
